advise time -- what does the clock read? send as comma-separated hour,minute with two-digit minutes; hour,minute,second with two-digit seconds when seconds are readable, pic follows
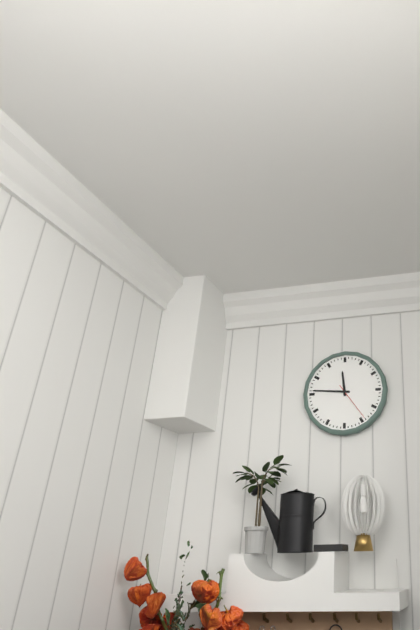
11,46
